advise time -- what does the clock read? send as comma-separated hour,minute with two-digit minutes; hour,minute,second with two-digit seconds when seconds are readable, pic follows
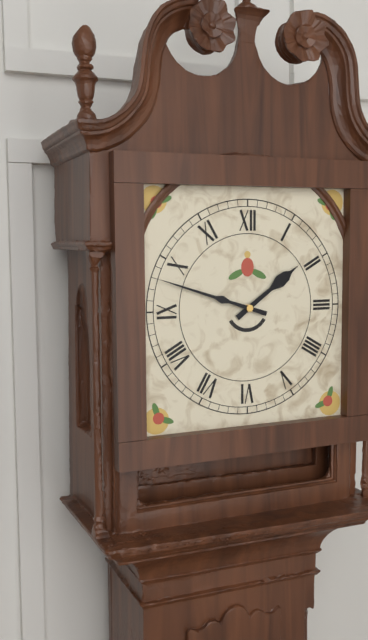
1,48
